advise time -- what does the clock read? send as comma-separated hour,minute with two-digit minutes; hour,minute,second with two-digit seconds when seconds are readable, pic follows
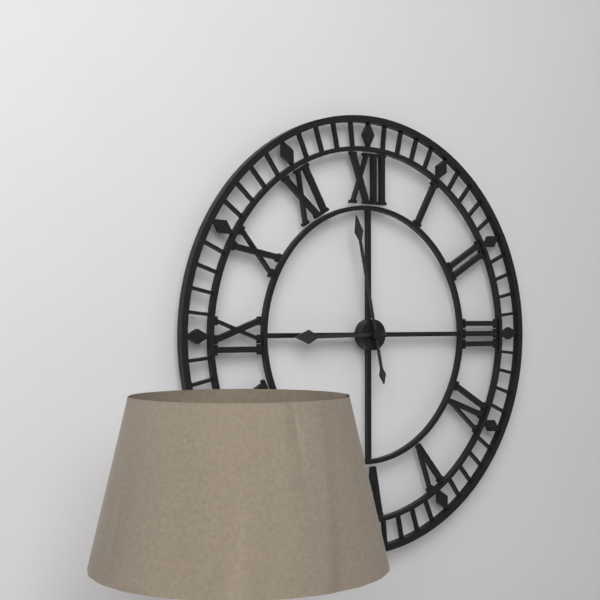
8,58
